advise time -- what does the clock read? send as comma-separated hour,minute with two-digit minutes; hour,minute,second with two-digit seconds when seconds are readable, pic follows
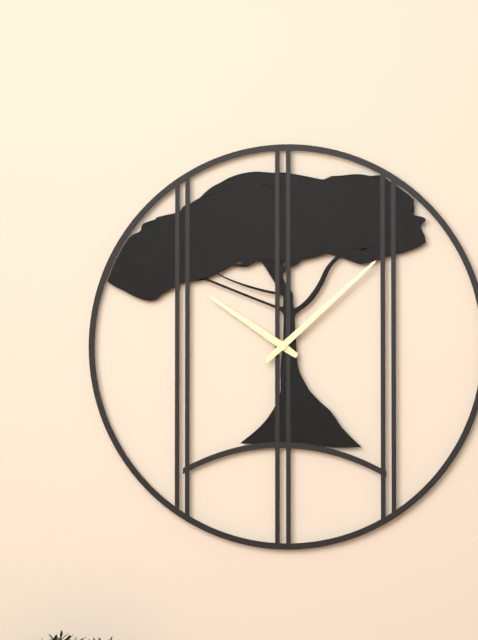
10,08
